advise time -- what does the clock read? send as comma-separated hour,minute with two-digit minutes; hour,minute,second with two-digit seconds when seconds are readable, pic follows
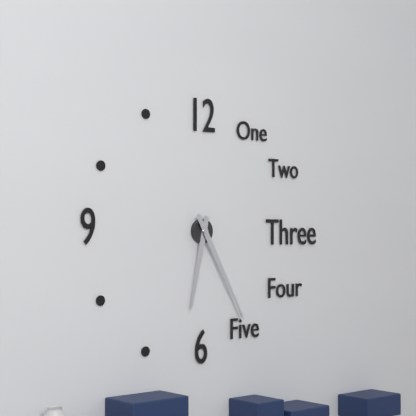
6,25
